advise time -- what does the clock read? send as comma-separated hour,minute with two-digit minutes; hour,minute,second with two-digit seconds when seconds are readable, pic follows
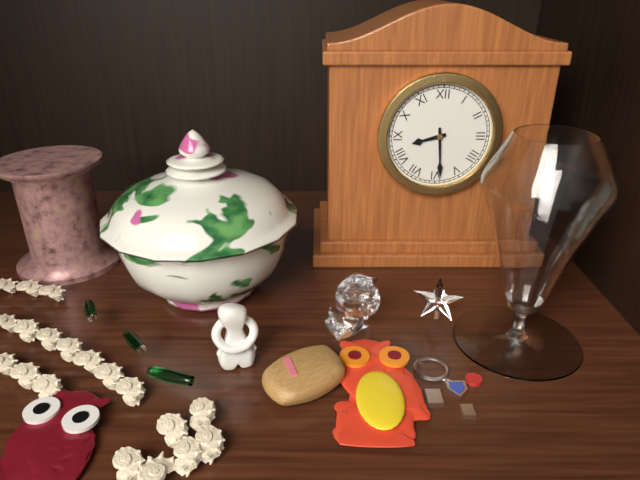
8,29
